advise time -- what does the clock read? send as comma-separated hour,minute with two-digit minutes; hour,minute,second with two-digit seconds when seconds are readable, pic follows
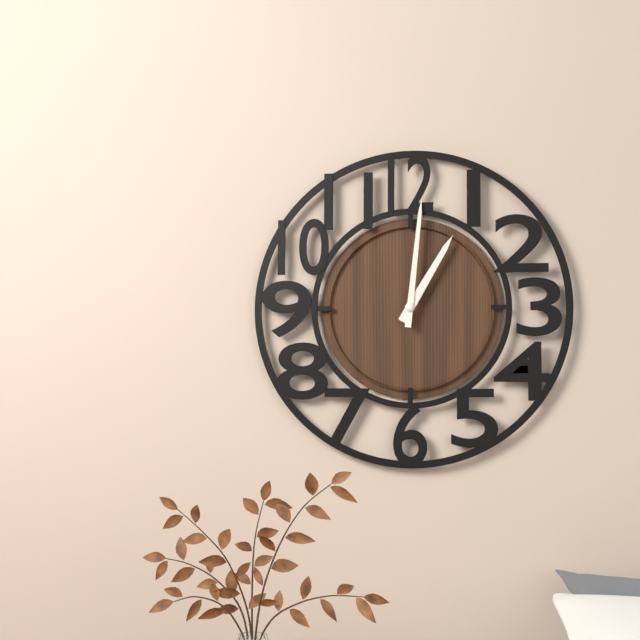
1,01
